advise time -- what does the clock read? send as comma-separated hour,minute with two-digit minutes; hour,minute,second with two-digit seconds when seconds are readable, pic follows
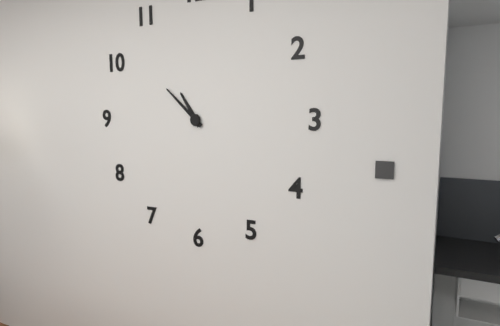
10,52
